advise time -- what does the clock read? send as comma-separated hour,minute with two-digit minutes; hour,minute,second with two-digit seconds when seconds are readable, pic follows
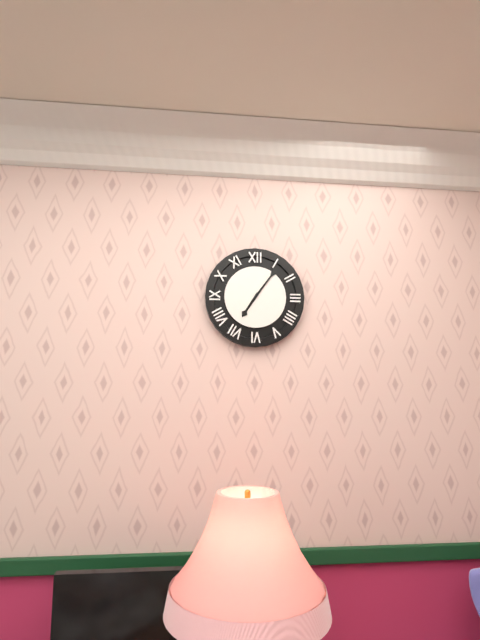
7,06
